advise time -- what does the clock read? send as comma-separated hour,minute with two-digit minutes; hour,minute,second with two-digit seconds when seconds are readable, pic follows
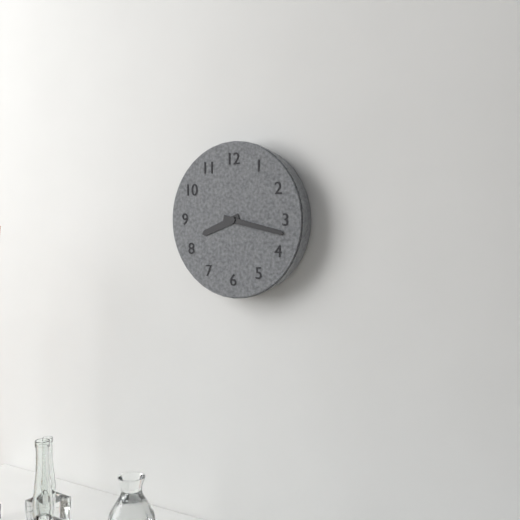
8,17
